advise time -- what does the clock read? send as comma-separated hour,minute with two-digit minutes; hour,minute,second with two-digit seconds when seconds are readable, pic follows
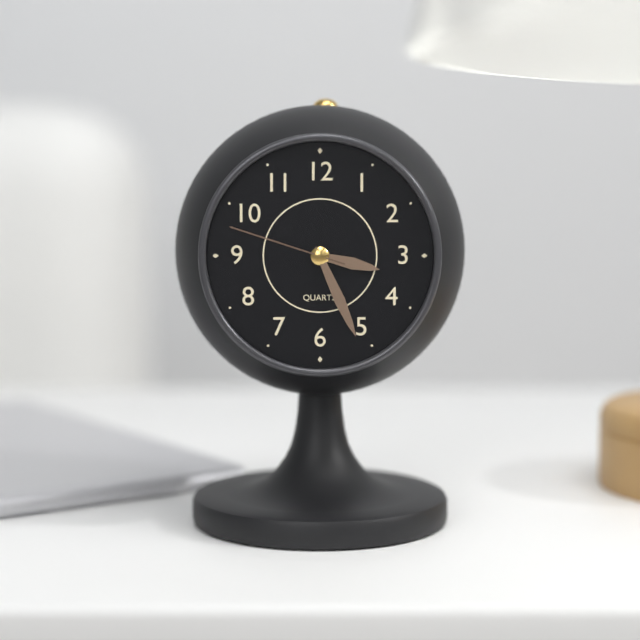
3,26,48
